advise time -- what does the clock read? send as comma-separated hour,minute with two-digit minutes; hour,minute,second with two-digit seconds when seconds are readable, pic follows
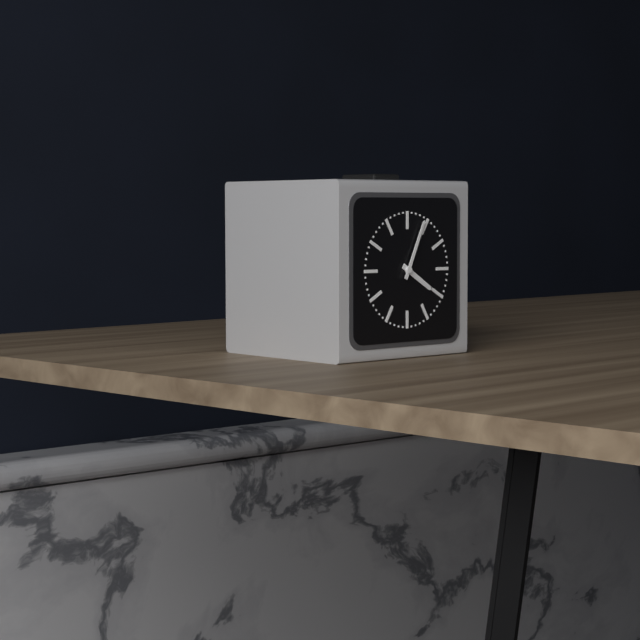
4,04
